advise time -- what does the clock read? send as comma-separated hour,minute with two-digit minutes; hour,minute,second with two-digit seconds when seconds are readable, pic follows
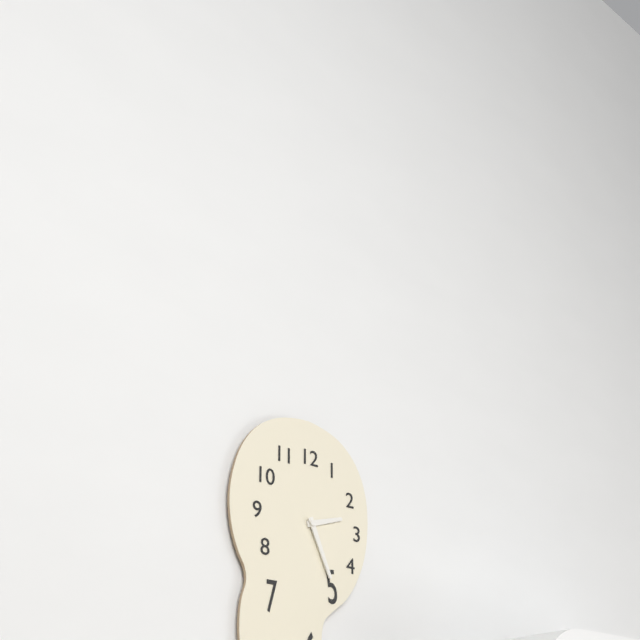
2,26
